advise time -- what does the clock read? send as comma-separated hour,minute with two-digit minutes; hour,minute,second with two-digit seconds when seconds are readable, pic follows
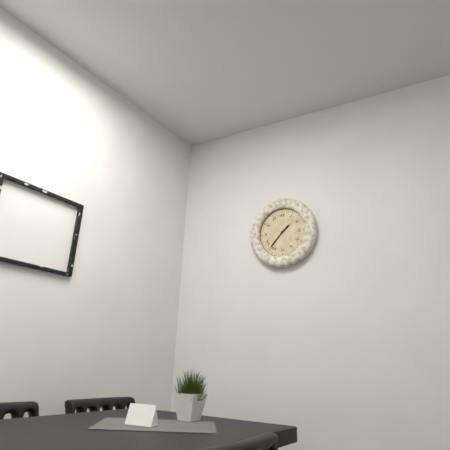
1,37
